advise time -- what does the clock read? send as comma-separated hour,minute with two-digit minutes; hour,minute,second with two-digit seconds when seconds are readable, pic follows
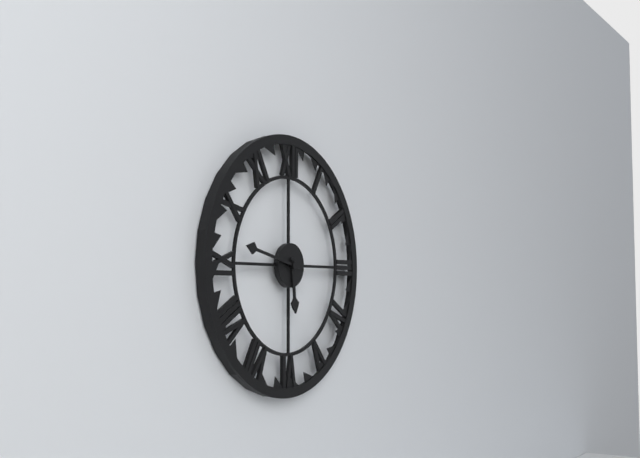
5,47
